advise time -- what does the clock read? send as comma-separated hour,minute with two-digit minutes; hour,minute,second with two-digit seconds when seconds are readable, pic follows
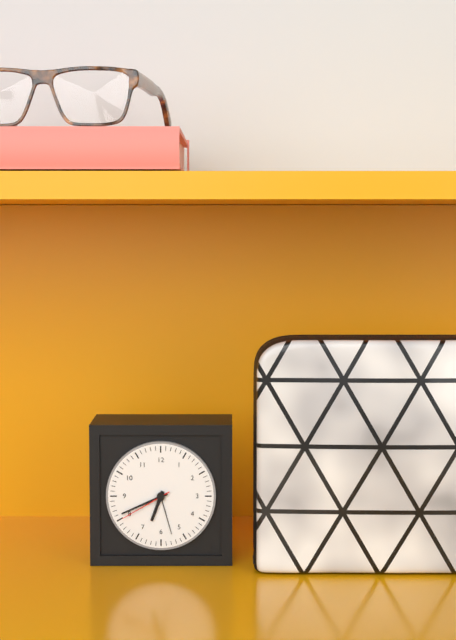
6,41,40
